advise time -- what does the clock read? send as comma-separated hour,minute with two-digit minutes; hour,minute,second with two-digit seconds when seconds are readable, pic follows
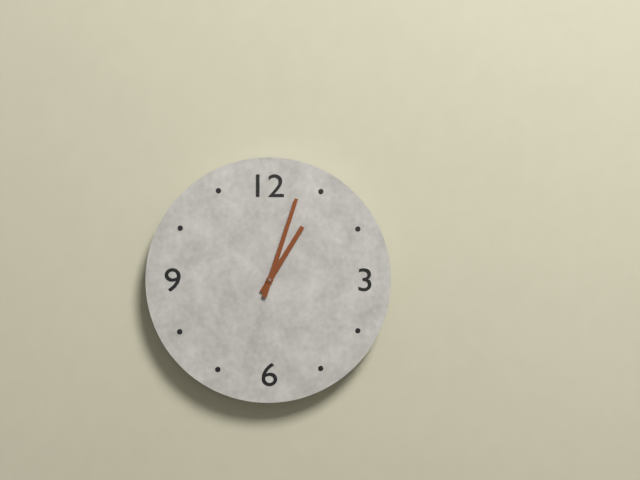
1,03
